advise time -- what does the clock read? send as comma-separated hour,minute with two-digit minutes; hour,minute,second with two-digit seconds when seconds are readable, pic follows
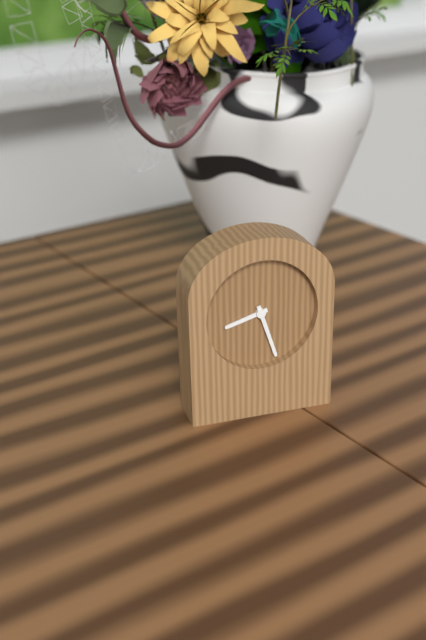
8,27
